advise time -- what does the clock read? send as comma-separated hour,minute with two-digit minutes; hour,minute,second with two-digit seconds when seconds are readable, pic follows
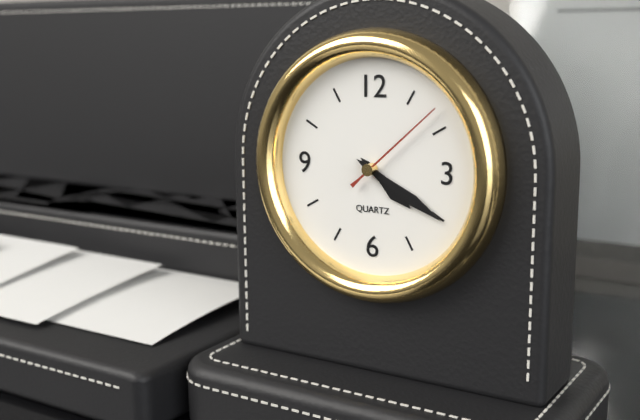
4,20,08
